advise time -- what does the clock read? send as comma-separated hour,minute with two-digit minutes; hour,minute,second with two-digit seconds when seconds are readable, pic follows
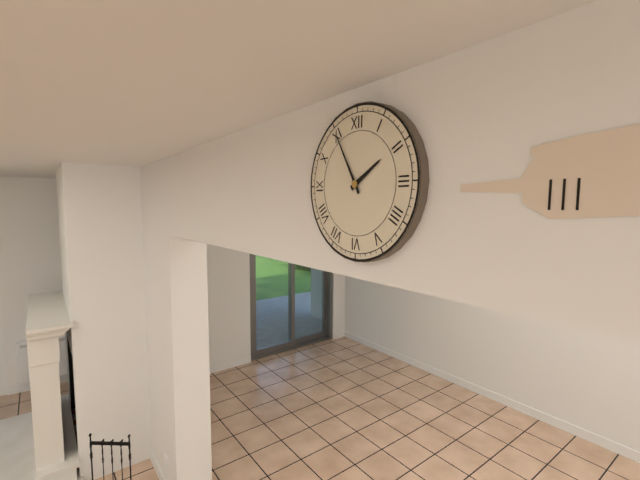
1,55
